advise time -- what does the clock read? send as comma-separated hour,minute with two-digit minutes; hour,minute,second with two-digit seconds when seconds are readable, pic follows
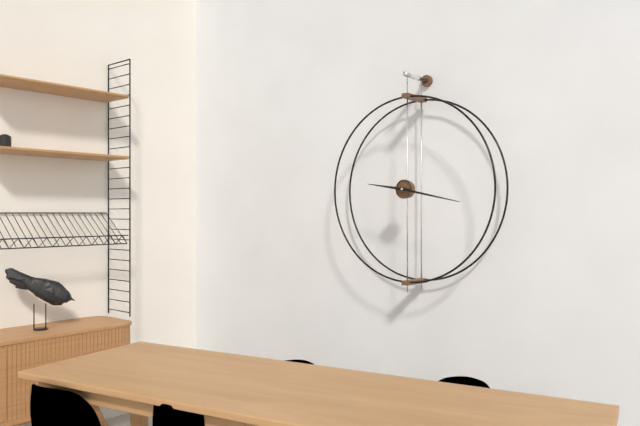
9,17
